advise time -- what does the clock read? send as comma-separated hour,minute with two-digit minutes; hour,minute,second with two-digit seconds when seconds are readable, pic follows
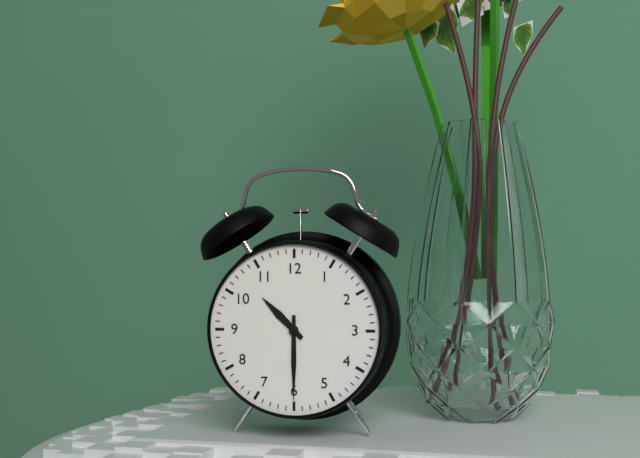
10,30
